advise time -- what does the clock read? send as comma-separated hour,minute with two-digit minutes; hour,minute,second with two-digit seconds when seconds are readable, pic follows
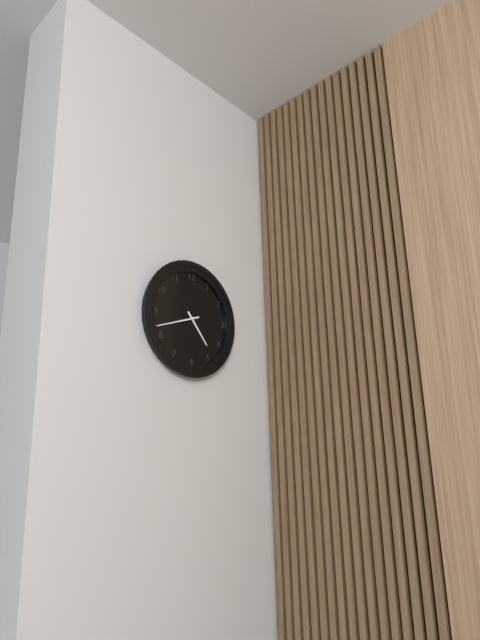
4,42
